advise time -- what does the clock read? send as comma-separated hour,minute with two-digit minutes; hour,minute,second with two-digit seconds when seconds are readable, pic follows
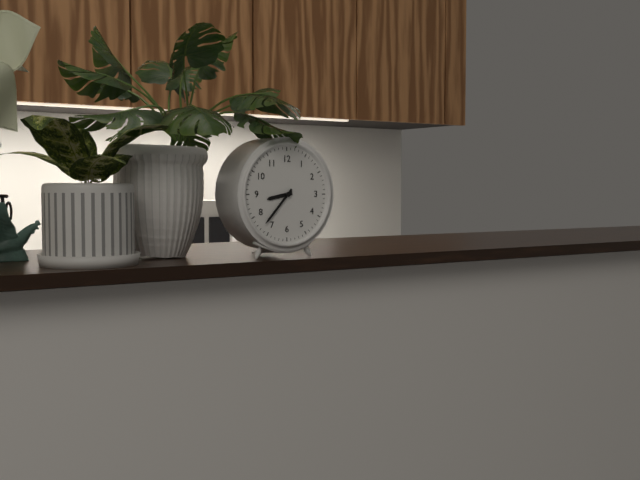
8,37
